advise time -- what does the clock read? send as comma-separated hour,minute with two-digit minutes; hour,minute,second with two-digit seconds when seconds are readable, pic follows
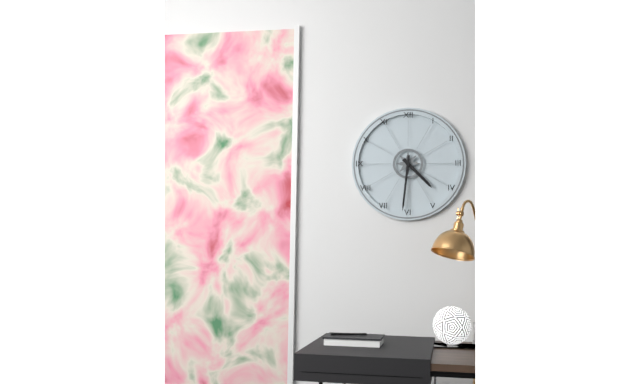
4,31
